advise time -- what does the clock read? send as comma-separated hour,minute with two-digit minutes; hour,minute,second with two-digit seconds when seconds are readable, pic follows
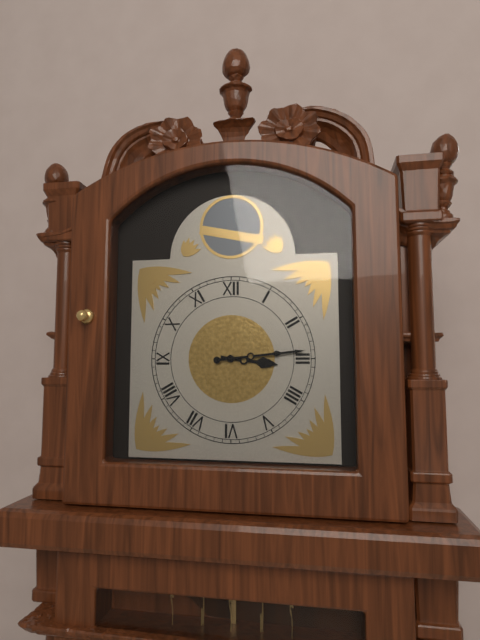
3,14
